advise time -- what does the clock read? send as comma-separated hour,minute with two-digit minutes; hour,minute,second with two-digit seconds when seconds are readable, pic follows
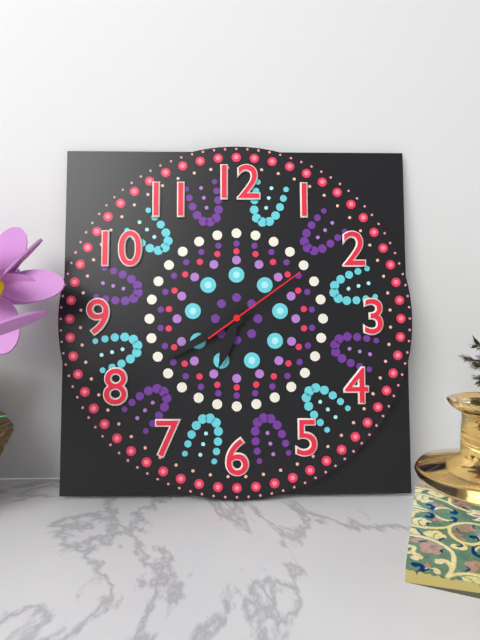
6,40,09
